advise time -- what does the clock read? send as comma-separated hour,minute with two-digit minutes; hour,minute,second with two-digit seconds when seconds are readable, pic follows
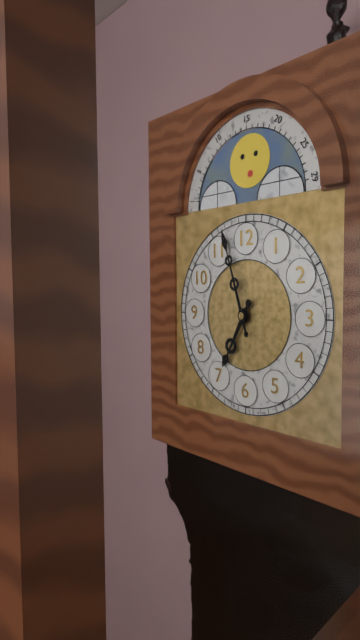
6,57
